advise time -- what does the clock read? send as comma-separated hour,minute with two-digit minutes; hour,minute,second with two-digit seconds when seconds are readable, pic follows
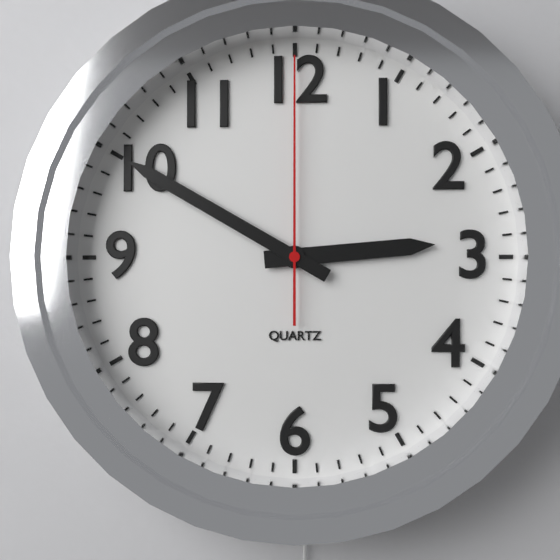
2,50,00
